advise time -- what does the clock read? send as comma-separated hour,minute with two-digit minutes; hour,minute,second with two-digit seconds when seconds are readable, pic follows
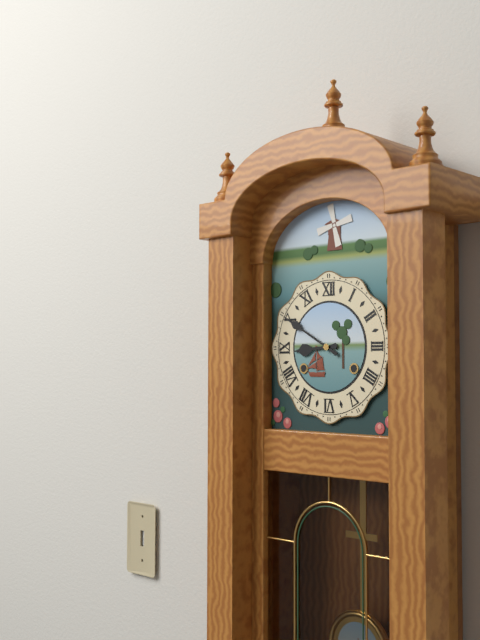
8,50
